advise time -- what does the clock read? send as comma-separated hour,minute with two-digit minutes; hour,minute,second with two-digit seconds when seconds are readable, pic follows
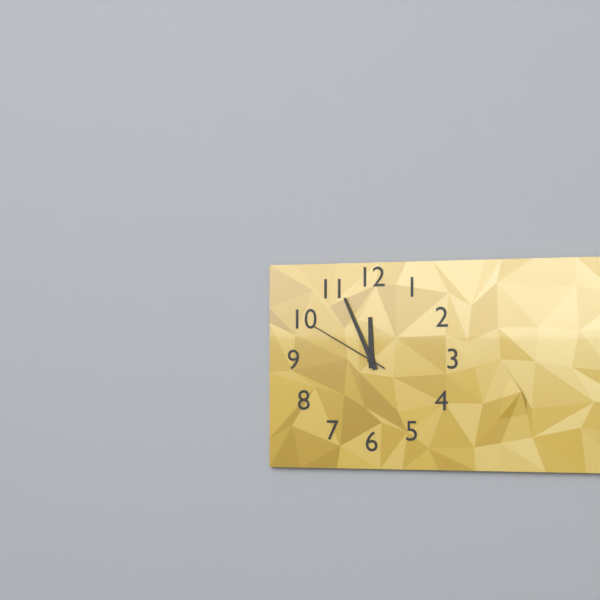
11,56,50
